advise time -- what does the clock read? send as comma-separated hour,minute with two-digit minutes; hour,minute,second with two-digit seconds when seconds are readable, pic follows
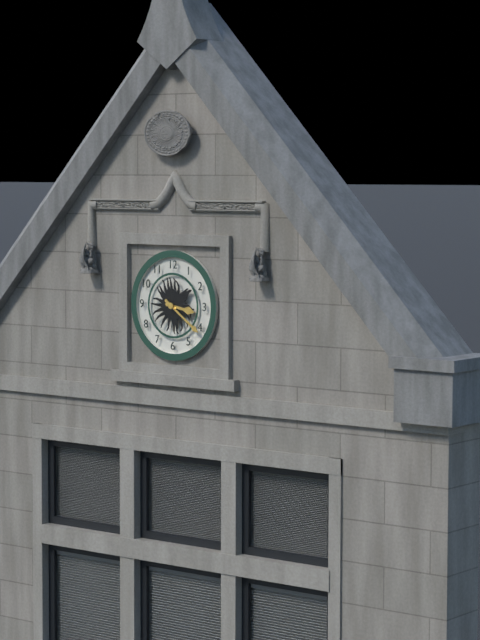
3,21
